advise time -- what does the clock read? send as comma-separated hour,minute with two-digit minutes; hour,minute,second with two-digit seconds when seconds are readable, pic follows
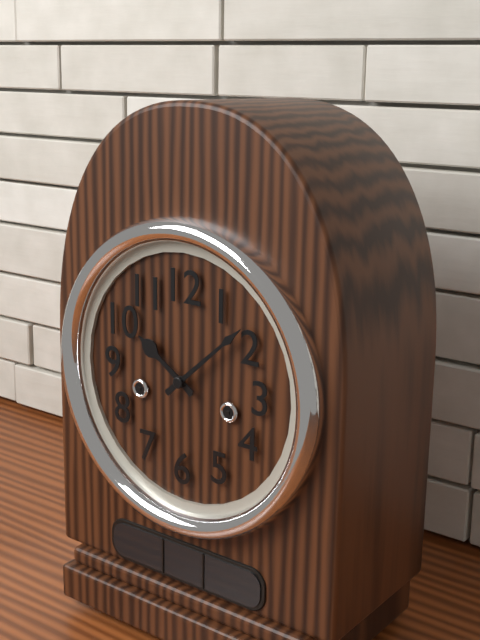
10,08
